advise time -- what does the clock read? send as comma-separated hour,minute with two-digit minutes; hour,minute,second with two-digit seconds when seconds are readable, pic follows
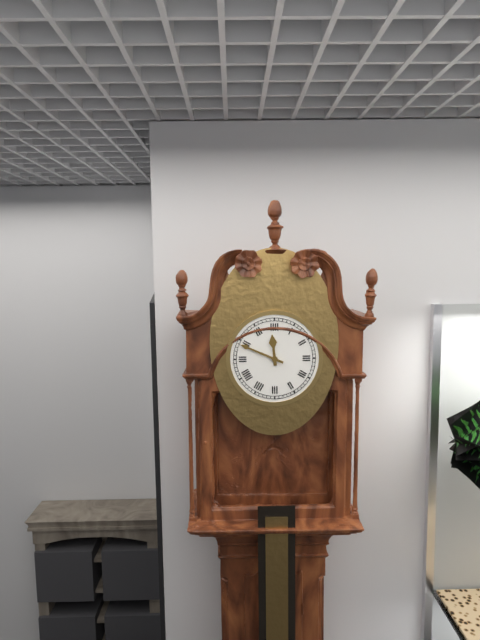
11,49
